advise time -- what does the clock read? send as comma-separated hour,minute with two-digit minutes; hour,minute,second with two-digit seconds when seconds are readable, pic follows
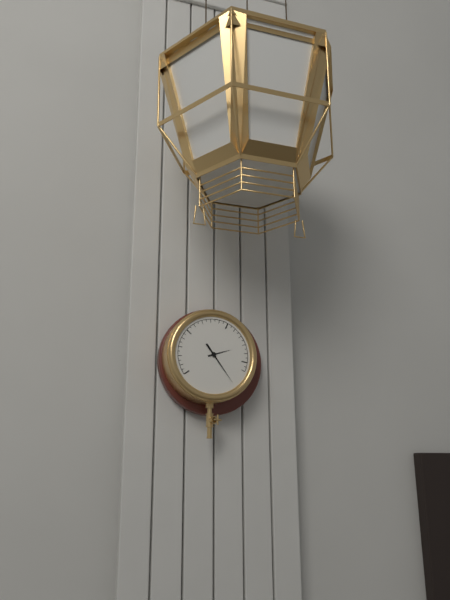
2,24
